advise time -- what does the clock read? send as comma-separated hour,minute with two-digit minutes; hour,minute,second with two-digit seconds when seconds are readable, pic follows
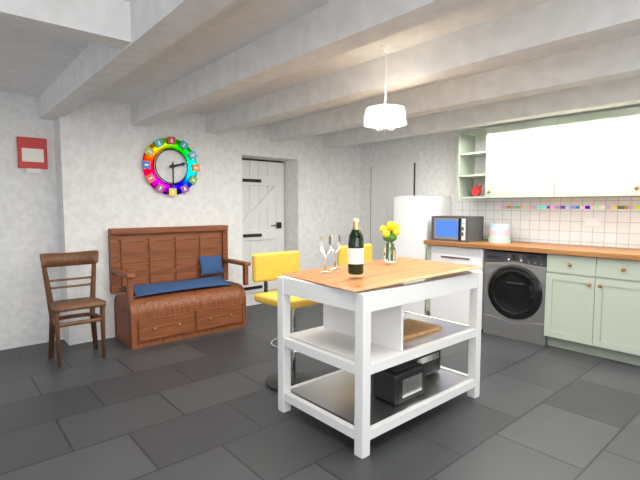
2,30
